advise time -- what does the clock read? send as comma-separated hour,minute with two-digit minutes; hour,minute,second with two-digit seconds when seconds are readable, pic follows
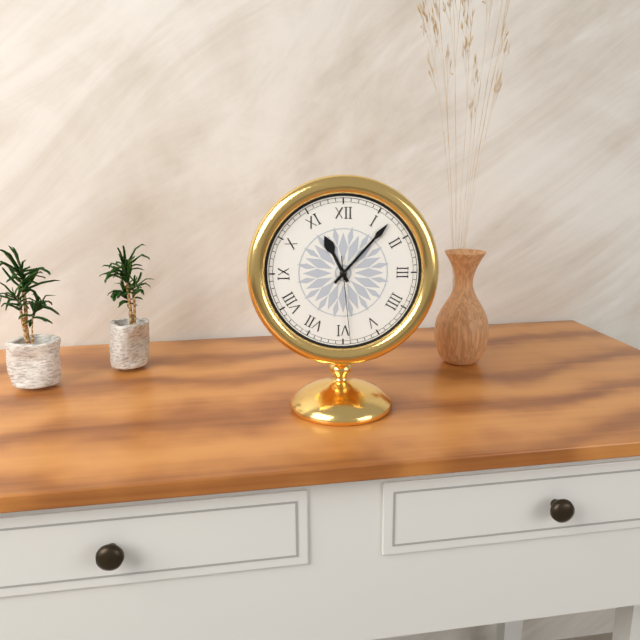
11,07,29
